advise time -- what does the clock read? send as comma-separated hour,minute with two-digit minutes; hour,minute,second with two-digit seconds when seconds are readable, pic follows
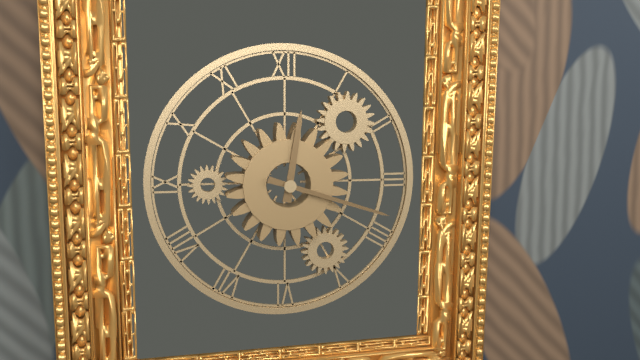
12,18
